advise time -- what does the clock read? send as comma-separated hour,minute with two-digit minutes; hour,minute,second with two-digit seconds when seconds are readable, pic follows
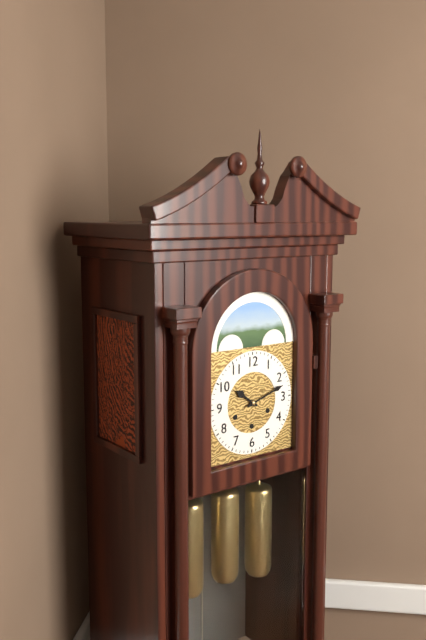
10,12
